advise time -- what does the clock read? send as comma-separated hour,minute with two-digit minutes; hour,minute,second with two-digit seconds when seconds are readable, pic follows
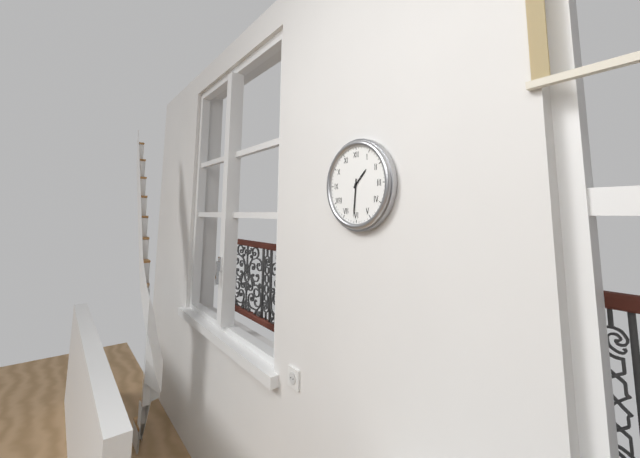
1,31
